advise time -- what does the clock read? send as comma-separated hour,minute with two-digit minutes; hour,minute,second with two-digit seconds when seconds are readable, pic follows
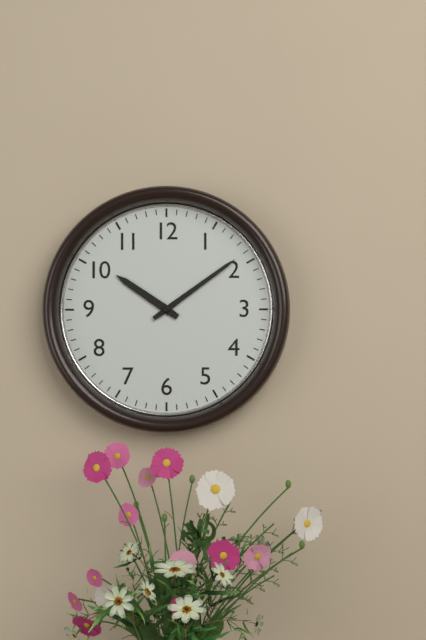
10,09
